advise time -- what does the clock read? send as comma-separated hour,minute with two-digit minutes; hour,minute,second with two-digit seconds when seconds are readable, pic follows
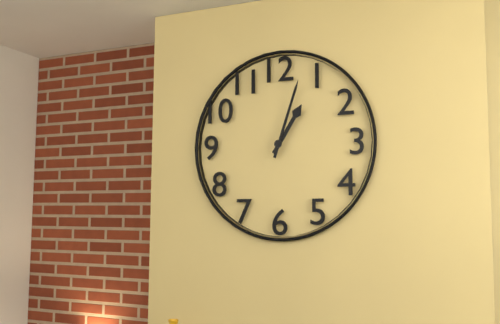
1,03
